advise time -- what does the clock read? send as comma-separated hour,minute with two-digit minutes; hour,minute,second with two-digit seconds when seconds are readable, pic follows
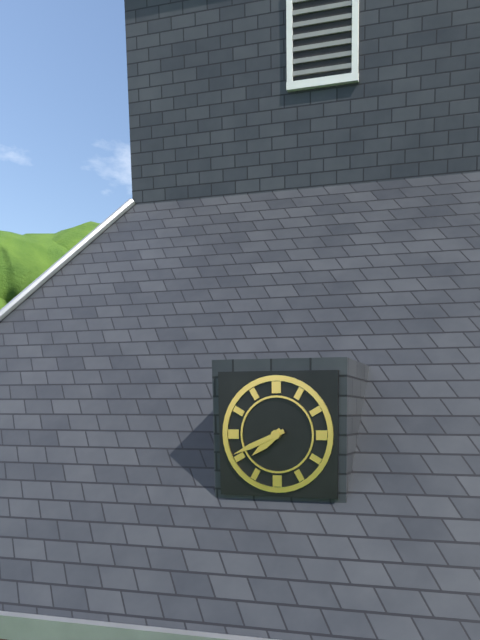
7,41
